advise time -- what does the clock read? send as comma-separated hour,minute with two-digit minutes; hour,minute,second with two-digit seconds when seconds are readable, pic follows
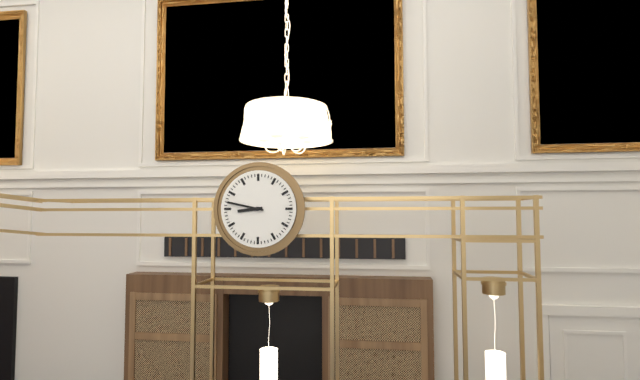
8,47
